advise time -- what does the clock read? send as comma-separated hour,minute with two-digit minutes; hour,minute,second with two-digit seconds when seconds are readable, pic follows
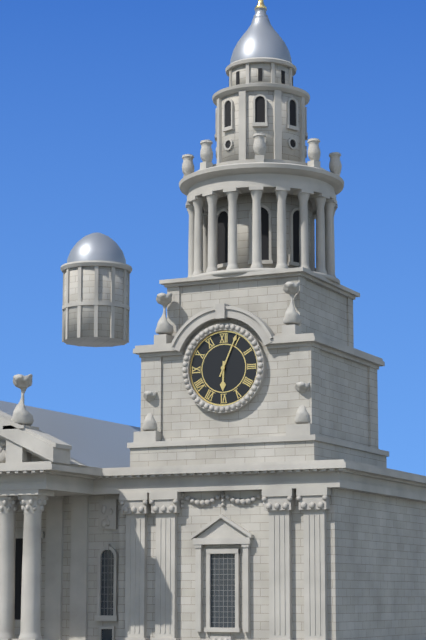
6,04
